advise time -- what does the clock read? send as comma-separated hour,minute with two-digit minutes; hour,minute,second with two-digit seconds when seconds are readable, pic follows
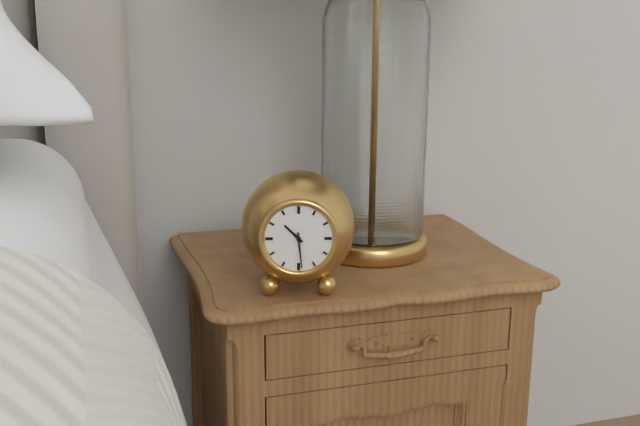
10,29
